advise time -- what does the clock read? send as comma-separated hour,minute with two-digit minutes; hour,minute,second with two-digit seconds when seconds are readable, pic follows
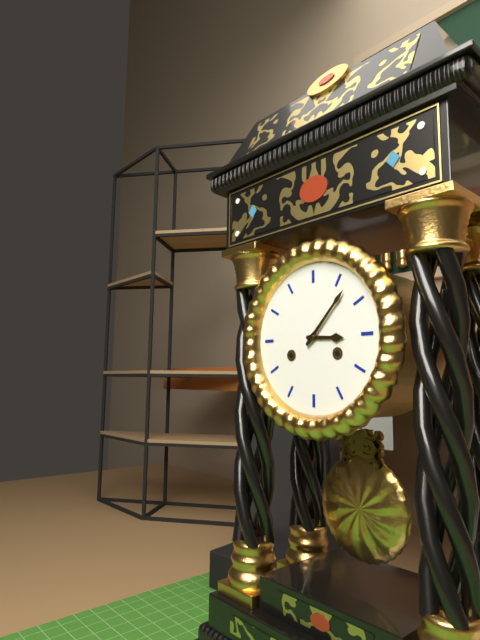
3,07
